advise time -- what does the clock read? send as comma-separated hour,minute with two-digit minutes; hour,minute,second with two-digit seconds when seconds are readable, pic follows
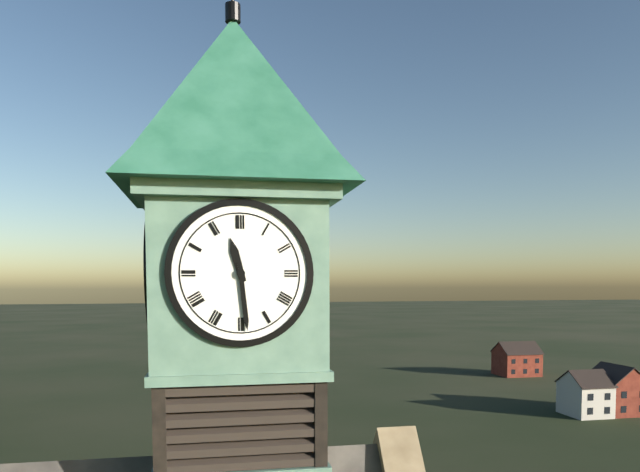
11,29
